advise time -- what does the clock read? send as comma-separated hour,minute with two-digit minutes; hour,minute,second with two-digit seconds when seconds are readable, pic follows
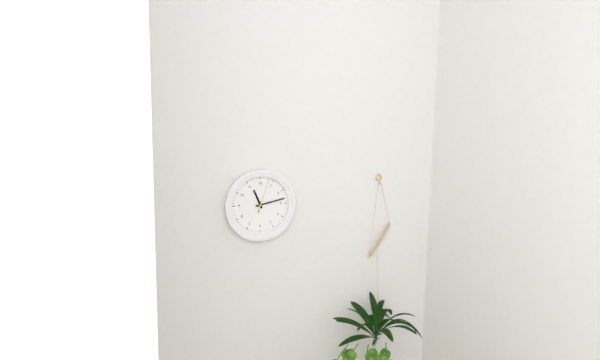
11,13
